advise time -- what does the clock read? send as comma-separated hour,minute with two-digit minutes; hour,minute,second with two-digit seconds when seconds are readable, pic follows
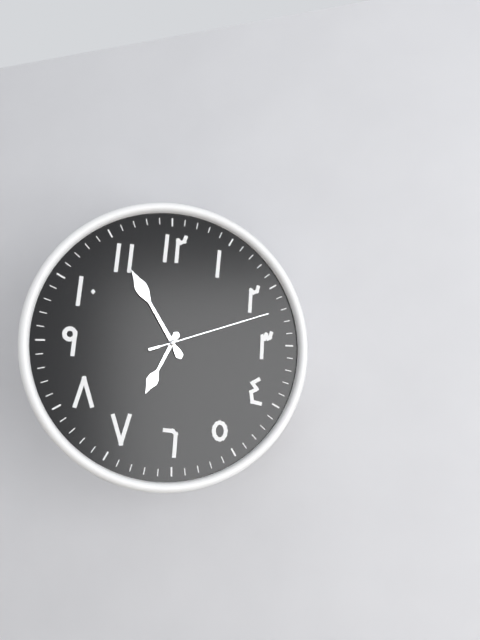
6,55,12
